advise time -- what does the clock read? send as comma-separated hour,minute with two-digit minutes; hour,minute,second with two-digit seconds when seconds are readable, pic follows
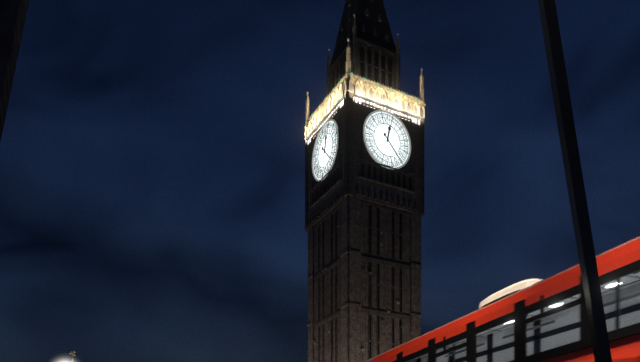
12,23
